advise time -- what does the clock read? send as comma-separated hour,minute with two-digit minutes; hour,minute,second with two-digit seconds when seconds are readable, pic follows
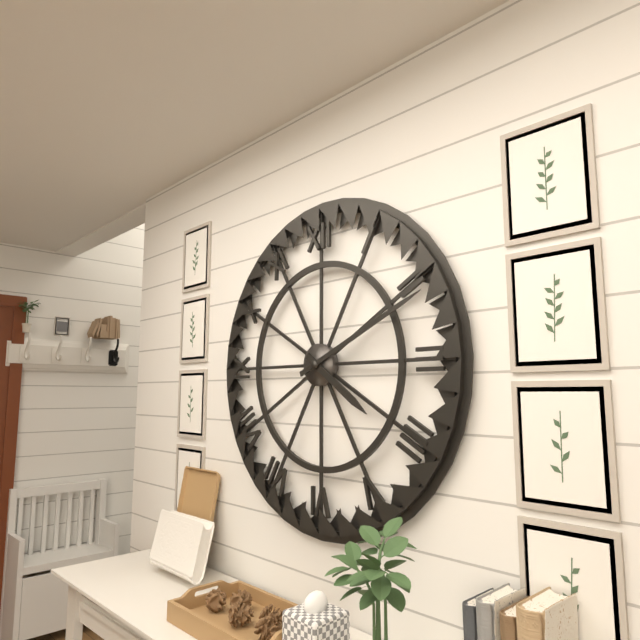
4,11
